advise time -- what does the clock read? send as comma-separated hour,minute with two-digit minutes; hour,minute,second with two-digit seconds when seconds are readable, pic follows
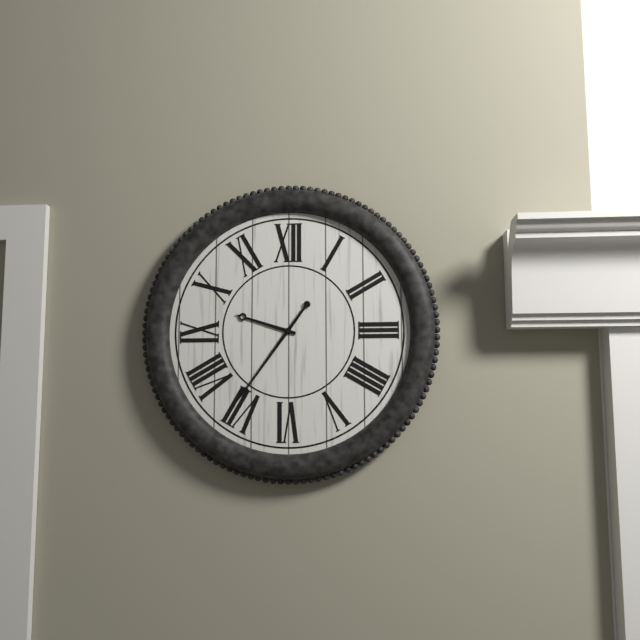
9,36
